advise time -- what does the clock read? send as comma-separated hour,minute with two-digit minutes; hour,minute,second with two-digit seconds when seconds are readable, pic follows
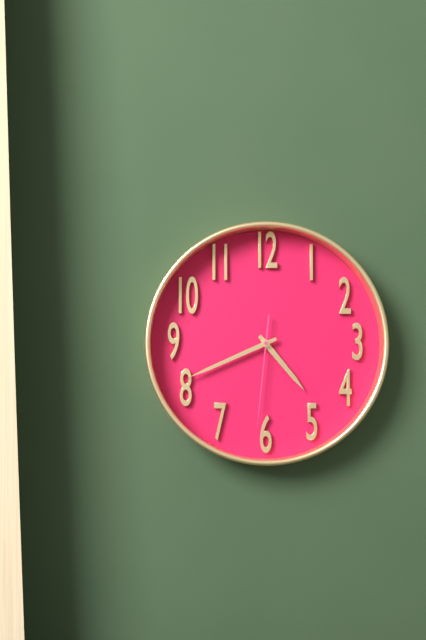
4,41,31
